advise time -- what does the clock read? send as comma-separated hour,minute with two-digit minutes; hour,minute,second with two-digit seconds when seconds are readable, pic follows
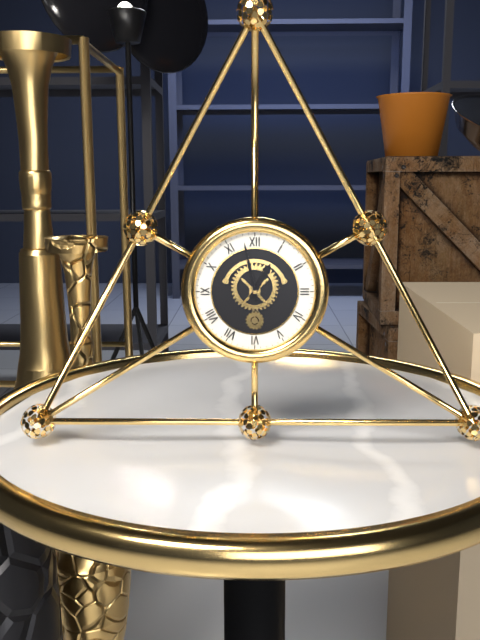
12,58
